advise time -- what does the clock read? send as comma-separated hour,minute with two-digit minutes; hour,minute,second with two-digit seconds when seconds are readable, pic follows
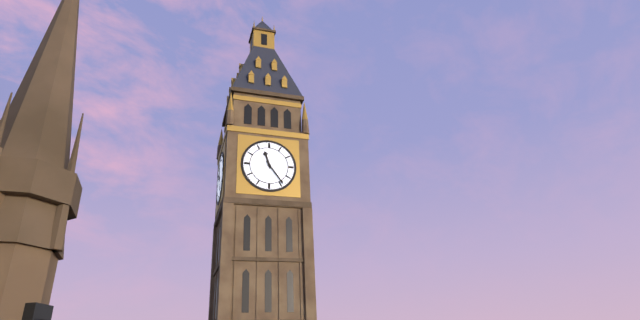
11,24
